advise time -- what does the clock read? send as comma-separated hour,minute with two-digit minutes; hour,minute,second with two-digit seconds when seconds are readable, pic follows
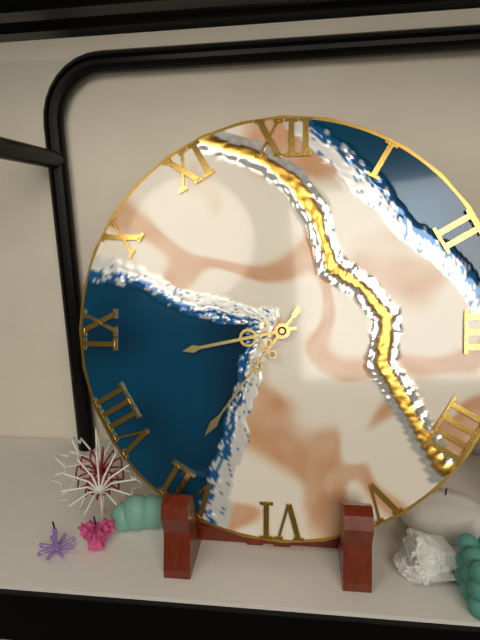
8,36
